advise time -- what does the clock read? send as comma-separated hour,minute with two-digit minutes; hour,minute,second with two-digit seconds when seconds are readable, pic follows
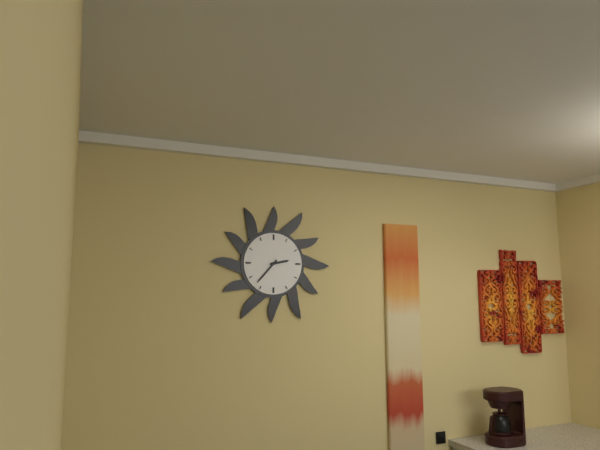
2,37
